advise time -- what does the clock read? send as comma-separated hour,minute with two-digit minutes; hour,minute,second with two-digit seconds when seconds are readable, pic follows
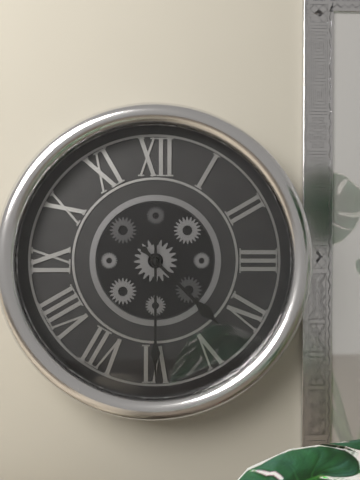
4,30
